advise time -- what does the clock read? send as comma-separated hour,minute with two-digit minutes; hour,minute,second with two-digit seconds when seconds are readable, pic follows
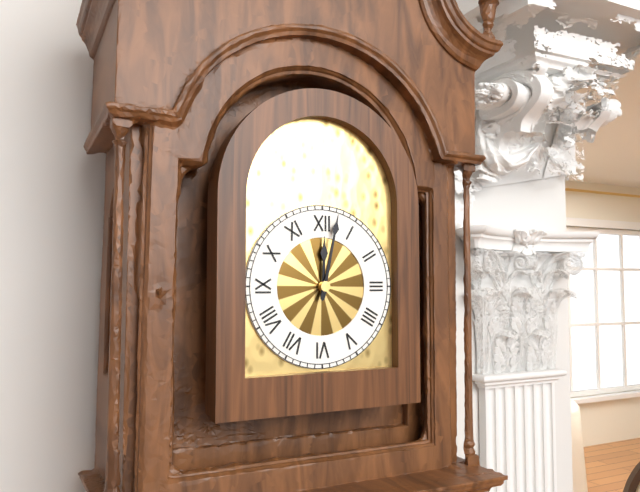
12,02
